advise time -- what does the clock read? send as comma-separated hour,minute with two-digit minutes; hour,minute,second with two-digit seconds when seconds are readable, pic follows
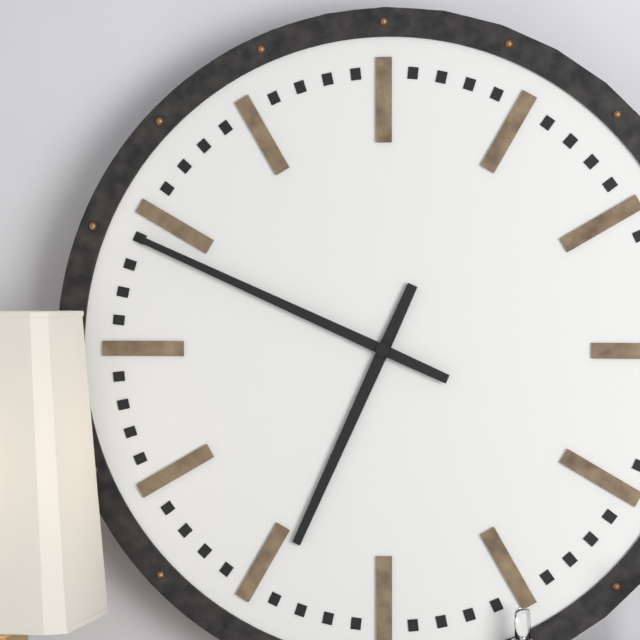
6,49
